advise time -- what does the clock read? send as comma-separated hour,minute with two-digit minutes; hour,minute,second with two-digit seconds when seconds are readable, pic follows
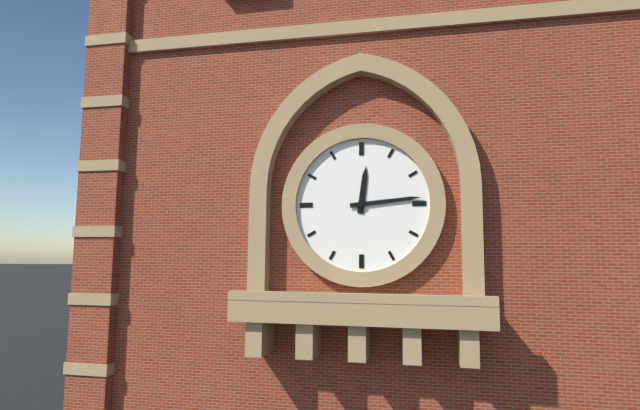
12,14
